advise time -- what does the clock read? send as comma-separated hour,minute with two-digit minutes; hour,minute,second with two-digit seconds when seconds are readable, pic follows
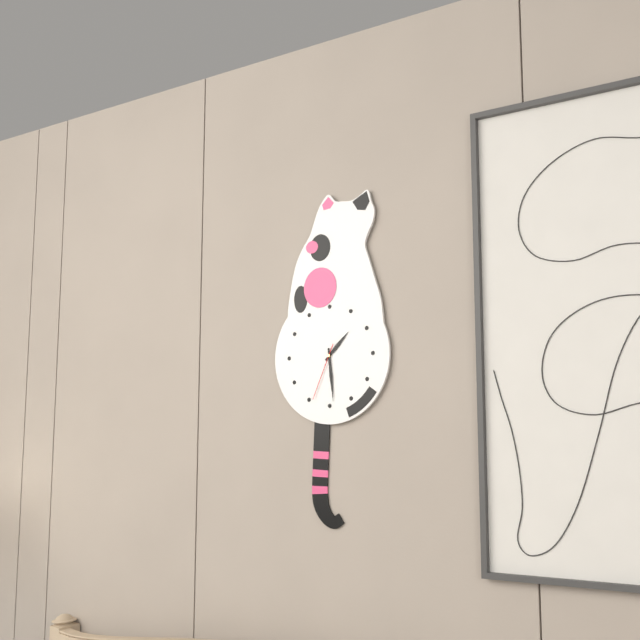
1,29,34
